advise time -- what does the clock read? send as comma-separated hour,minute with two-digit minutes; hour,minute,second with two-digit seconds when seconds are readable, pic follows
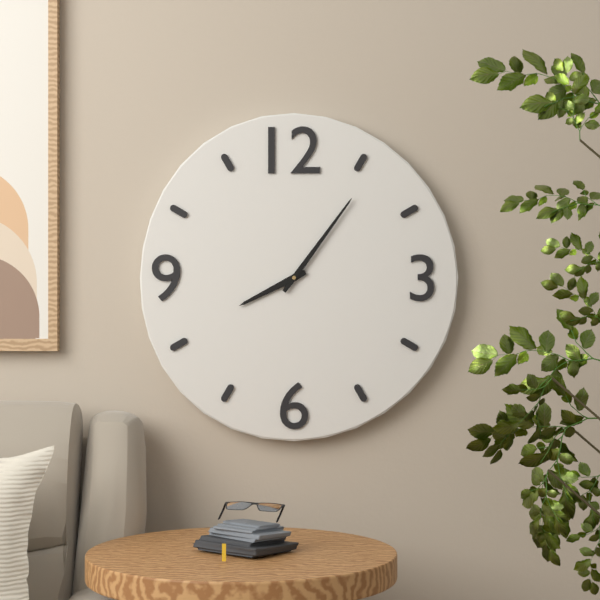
8,06
